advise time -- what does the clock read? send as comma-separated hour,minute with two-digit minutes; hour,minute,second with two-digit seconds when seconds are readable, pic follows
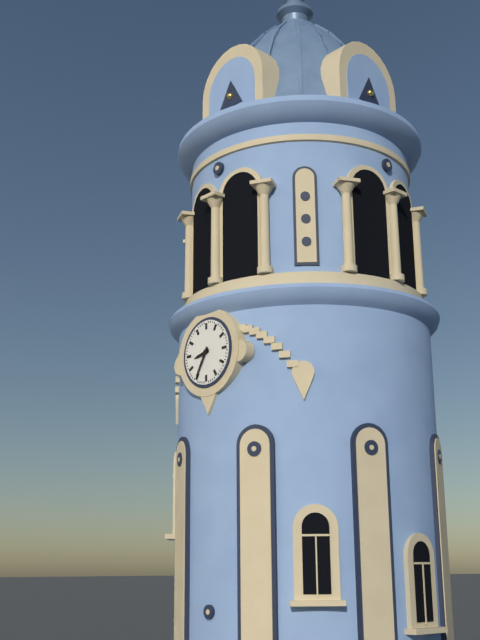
8,35
